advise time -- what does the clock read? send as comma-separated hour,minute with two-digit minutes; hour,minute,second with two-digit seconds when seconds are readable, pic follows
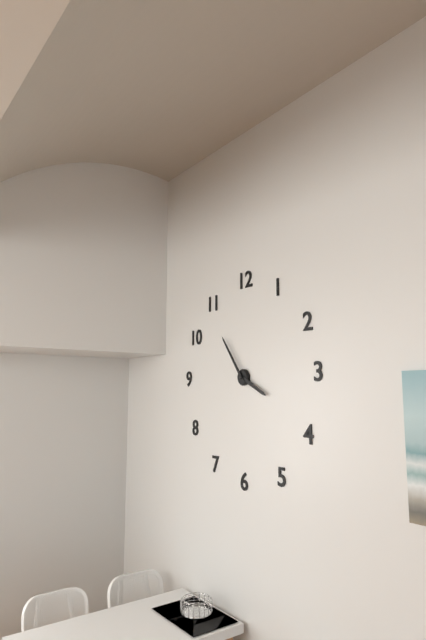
3,54
